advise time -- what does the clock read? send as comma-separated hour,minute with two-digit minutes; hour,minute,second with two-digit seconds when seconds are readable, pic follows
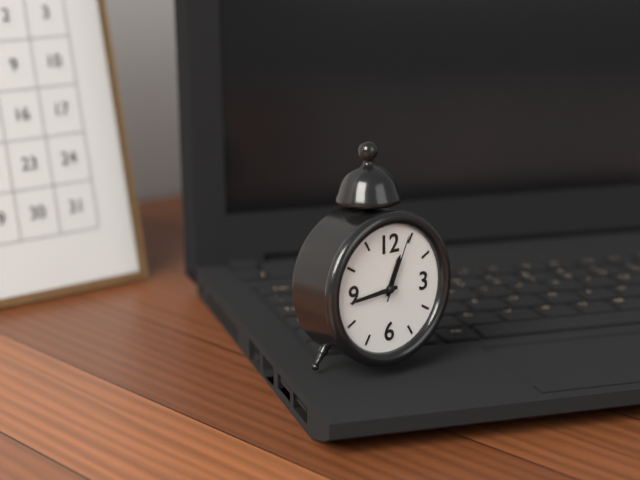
12,44,04
